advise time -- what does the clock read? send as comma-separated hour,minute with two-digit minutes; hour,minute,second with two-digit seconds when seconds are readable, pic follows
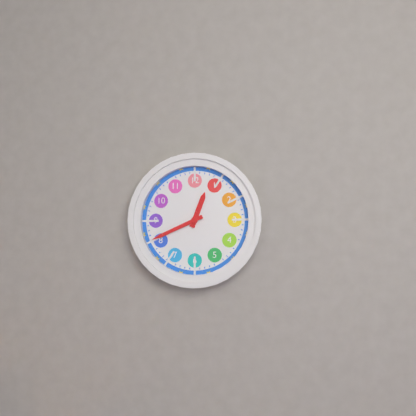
12,41
